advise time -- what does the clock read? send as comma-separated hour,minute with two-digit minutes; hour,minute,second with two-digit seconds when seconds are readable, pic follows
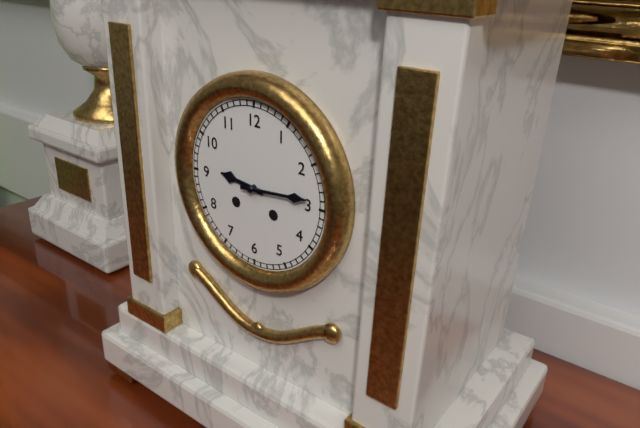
9,14
